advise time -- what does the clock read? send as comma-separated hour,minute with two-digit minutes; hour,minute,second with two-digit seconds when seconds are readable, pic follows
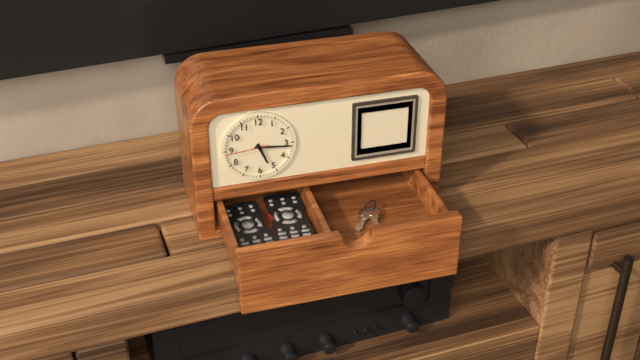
5,16
